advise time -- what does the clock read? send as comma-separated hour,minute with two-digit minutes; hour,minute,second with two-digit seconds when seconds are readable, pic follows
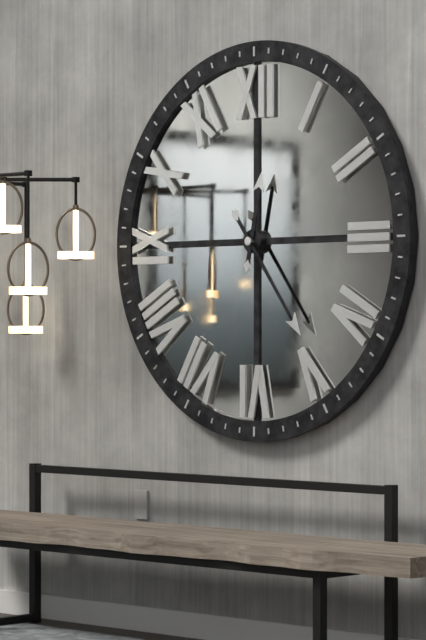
12,24
